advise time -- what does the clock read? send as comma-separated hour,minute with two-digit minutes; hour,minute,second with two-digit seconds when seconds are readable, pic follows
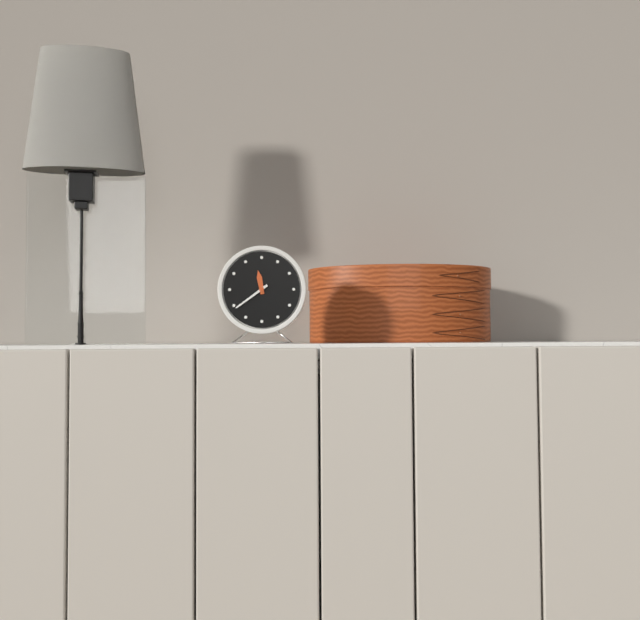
11,39
